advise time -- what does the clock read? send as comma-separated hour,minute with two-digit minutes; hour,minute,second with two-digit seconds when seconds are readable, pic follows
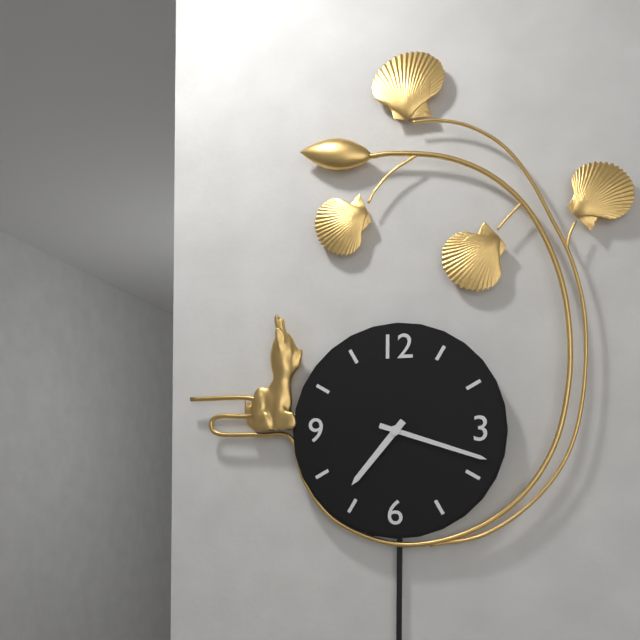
7,18
